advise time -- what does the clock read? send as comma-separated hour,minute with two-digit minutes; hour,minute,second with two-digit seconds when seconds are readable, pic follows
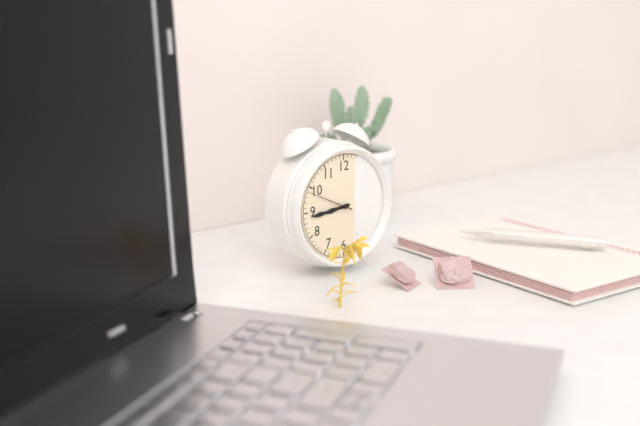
8,44
